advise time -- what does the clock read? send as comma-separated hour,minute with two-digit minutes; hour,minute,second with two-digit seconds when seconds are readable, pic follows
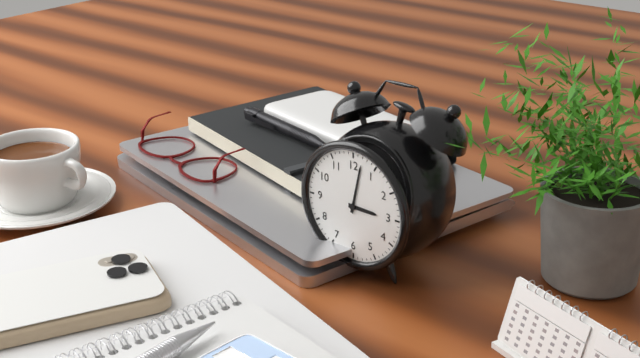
3,02
